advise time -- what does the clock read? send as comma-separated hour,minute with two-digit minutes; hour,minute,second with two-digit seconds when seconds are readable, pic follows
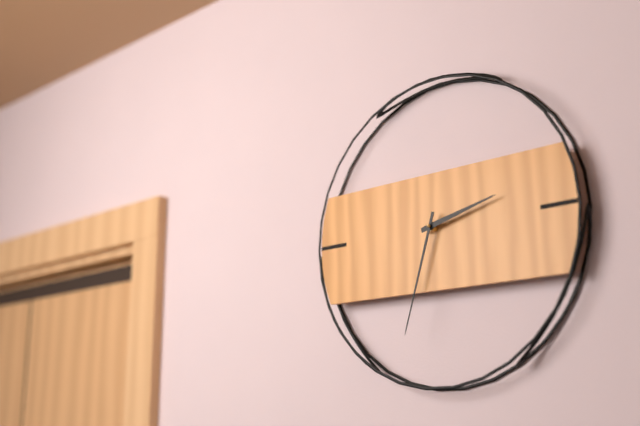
2,33
